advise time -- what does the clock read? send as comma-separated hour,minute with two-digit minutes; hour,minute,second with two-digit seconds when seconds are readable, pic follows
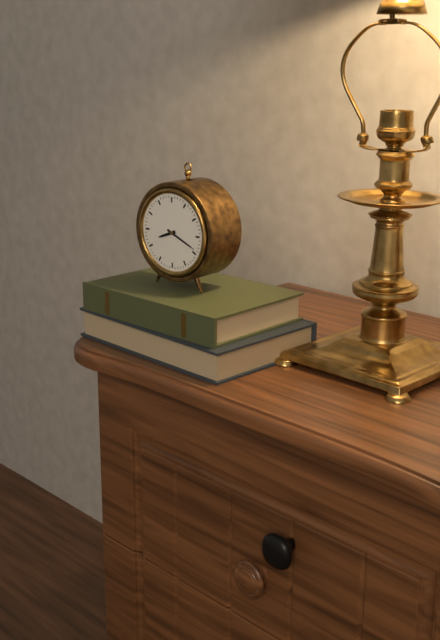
8,19
